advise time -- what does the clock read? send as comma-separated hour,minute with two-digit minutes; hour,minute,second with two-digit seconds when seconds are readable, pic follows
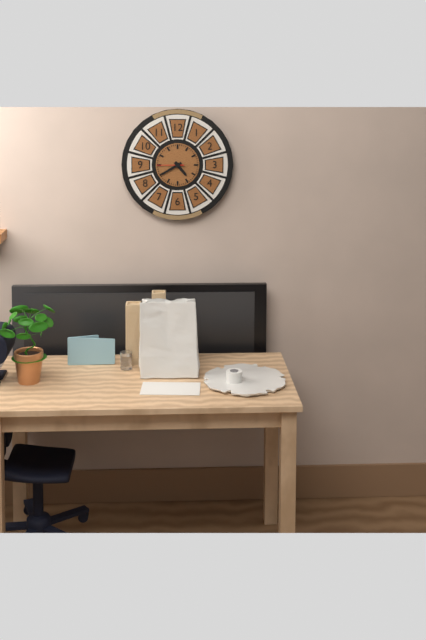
4,40
